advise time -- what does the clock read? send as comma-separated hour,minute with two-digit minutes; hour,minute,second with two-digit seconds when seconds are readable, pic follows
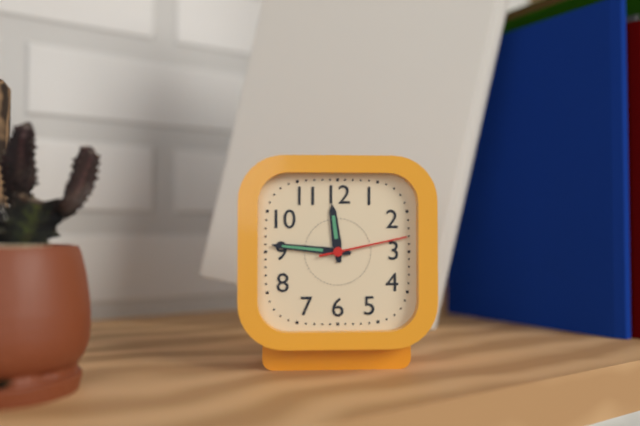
11,46,13
